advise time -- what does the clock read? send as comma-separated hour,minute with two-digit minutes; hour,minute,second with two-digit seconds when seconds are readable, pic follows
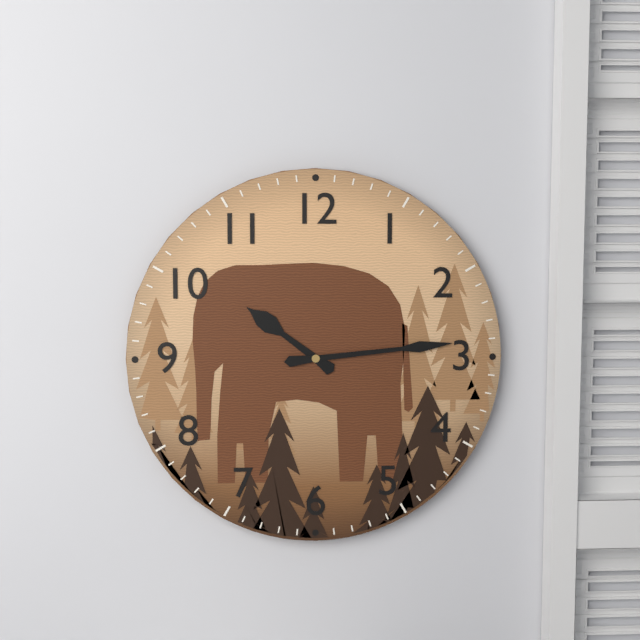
10,14
